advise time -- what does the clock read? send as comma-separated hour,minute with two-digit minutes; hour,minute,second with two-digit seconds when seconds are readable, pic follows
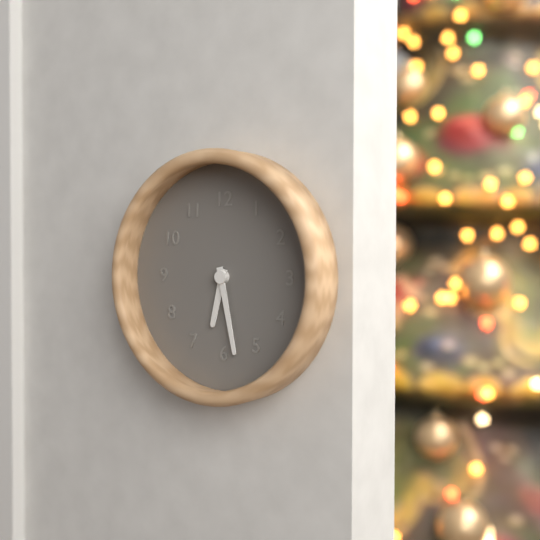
6,28
